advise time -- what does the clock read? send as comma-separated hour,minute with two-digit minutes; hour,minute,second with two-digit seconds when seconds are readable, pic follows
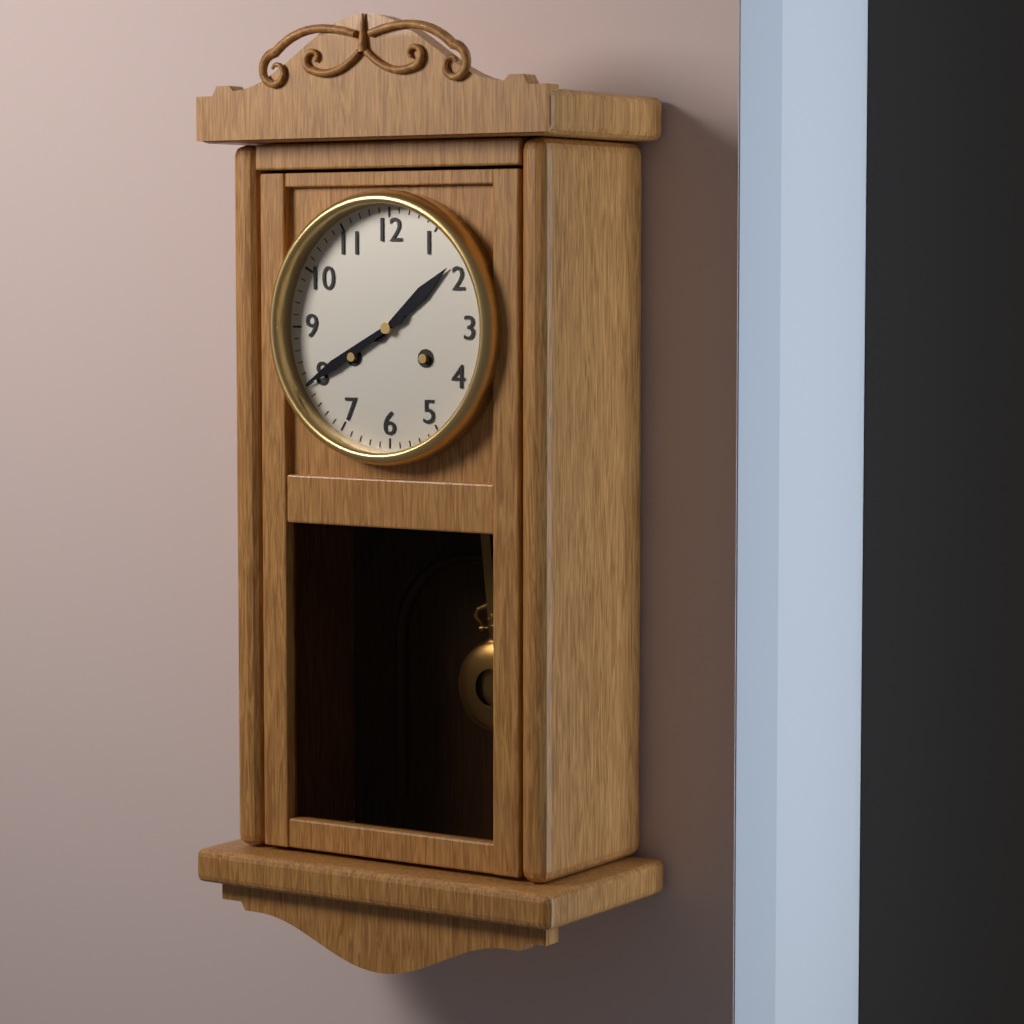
1,40
